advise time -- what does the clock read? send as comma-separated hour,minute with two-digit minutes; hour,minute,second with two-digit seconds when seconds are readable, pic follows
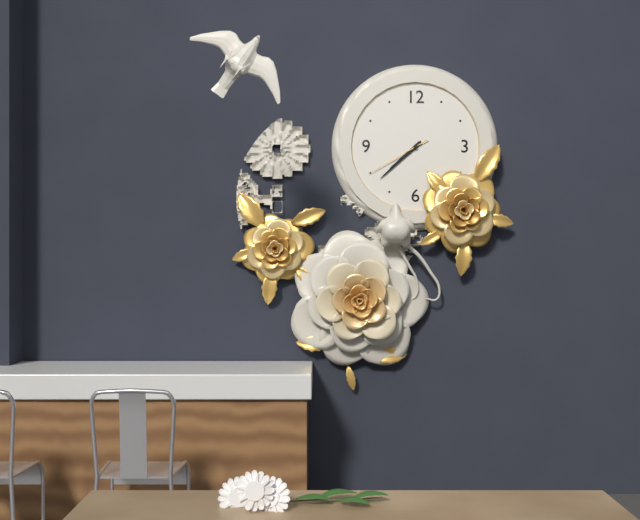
7,38,40
